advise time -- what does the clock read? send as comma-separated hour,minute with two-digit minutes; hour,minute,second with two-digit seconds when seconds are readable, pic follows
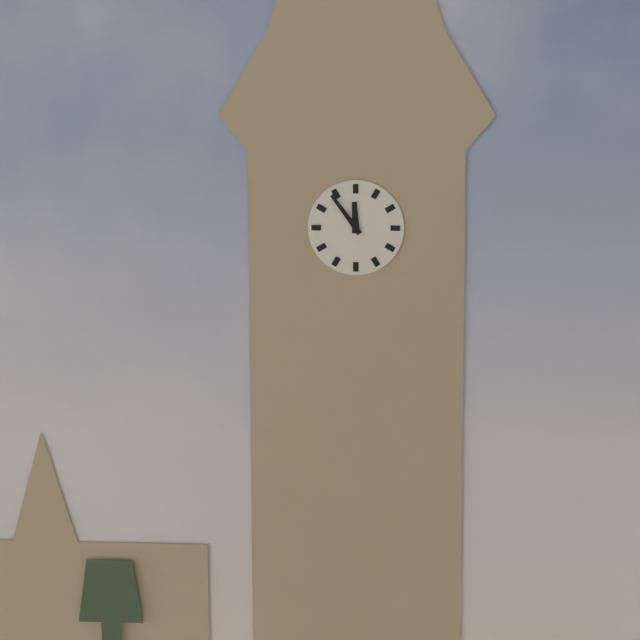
11,54
